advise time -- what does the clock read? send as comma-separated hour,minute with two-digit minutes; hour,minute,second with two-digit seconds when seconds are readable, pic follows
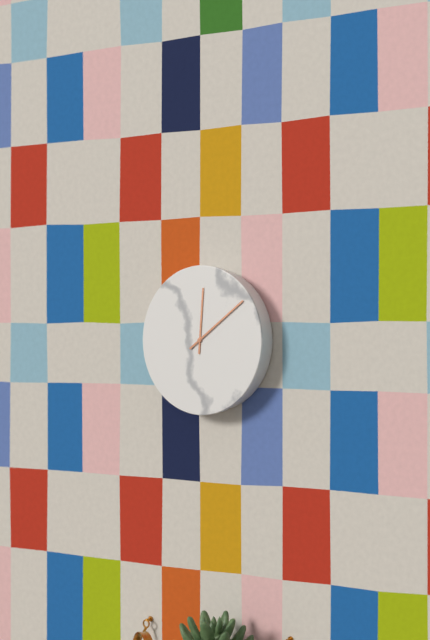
12,09
